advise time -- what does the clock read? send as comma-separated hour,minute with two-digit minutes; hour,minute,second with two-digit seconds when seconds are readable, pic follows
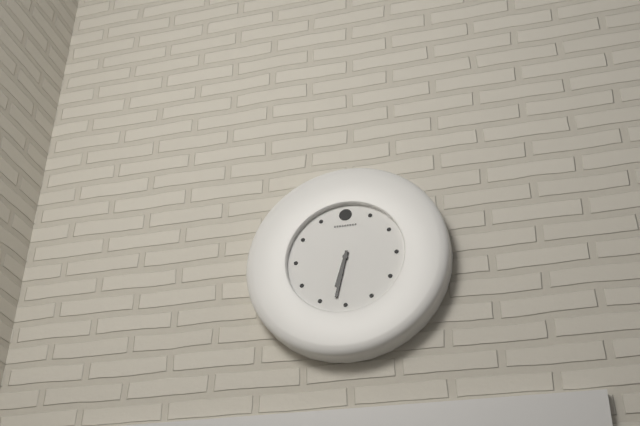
6,32
